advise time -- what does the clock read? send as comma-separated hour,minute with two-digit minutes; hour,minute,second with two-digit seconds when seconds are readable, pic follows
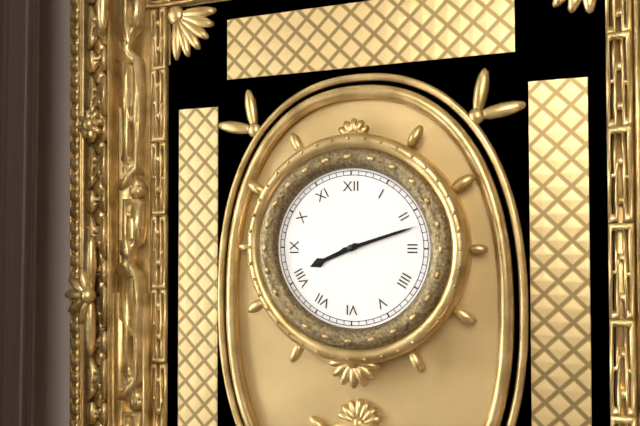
8,12
